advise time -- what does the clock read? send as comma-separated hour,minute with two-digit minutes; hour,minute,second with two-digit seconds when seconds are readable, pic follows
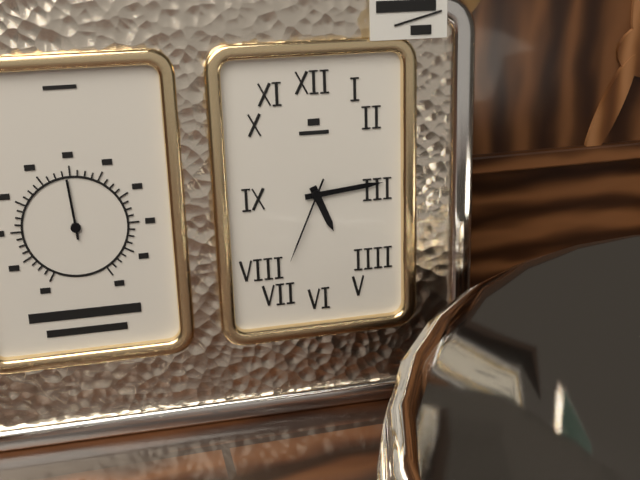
5,14,34
